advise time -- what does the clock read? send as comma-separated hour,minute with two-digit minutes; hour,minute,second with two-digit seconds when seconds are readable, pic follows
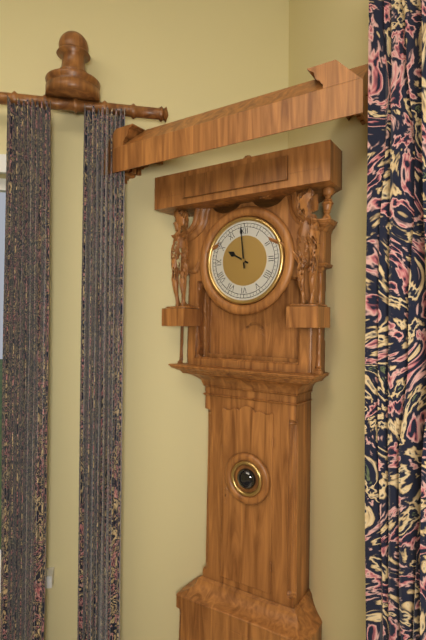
9,59
